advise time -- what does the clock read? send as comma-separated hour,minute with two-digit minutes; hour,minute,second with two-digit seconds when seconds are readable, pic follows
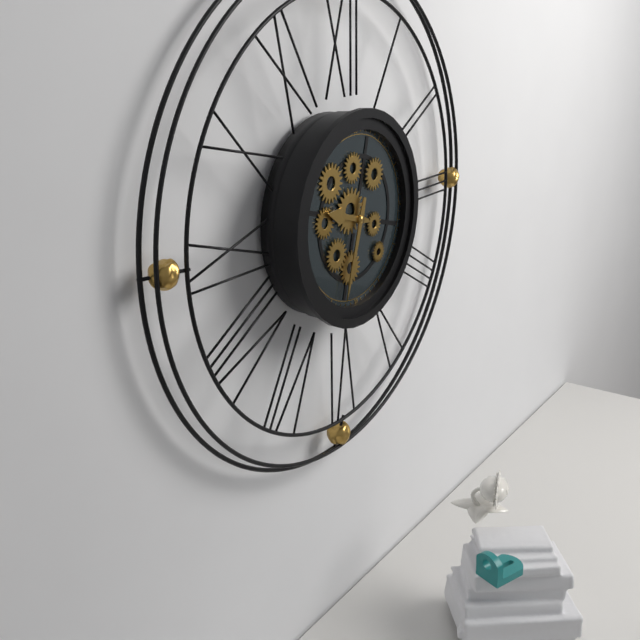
9,33
